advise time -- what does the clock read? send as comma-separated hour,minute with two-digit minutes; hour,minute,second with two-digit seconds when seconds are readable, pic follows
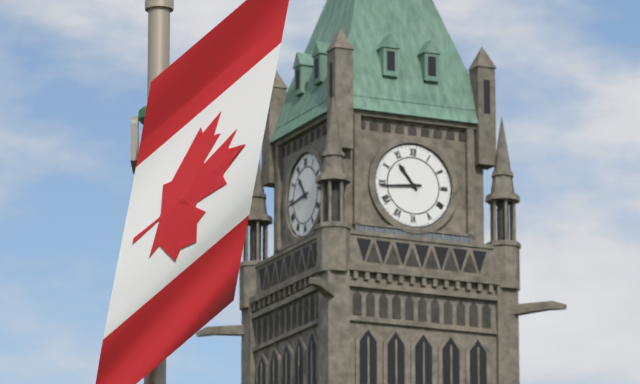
10,44
